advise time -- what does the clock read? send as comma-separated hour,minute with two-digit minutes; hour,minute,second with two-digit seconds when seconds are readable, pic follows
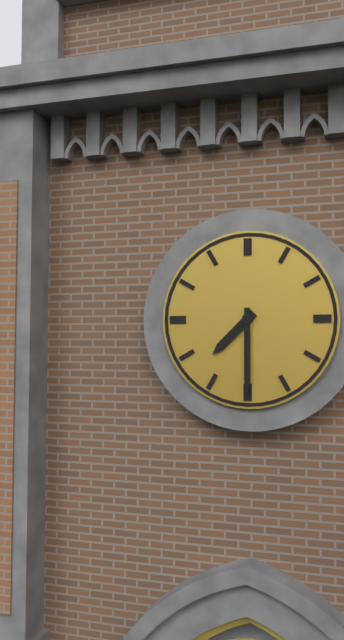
7,30
